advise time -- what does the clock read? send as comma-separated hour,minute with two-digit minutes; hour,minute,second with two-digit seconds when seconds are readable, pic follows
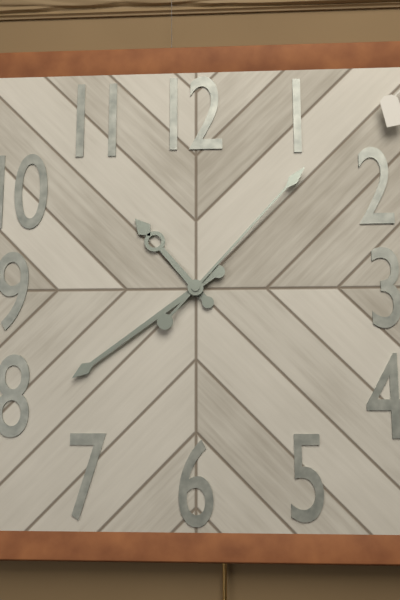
10,39,07
